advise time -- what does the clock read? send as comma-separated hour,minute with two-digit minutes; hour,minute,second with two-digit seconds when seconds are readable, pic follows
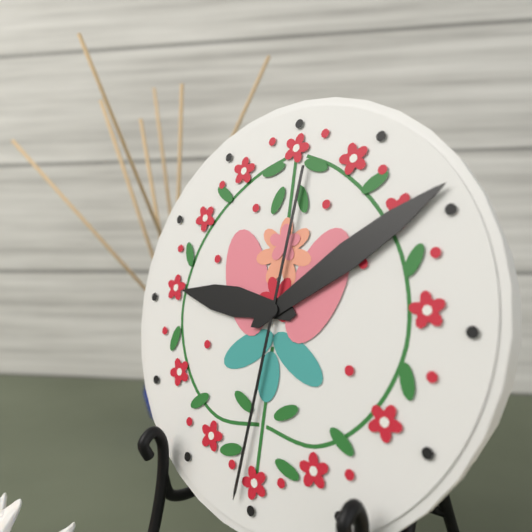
9,09,31
